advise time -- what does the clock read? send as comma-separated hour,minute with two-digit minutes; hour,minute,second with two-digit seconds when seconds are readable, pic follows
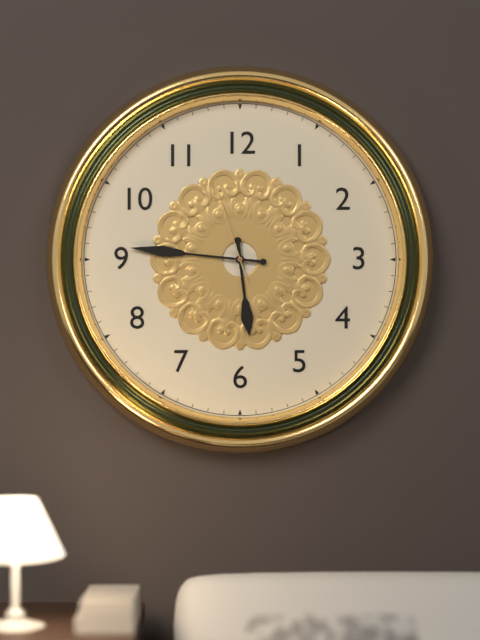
5,46,57
